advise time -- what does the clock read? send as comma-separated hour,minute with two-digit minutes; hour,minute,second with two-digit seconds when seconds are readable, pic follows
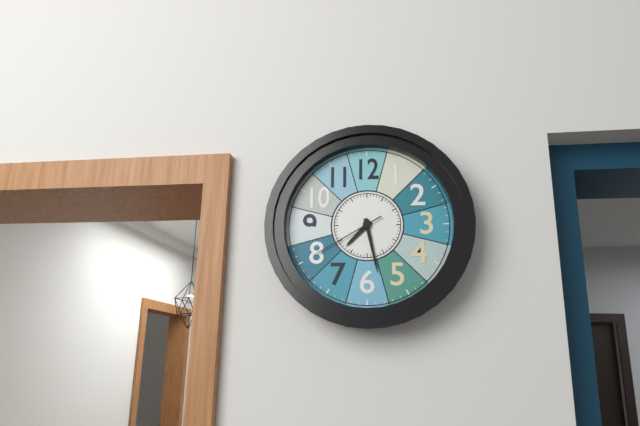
7,28,40
